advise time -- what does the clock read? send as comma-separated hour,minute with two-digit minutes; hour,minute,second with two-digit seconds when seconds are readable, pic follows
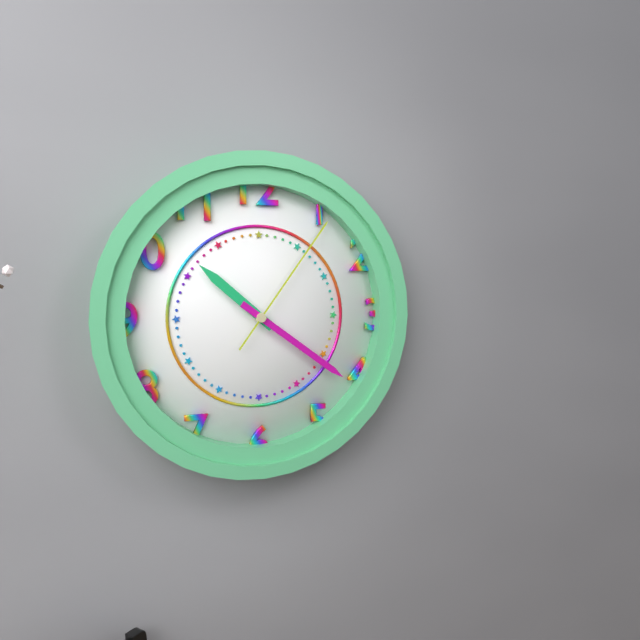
10,21,06
